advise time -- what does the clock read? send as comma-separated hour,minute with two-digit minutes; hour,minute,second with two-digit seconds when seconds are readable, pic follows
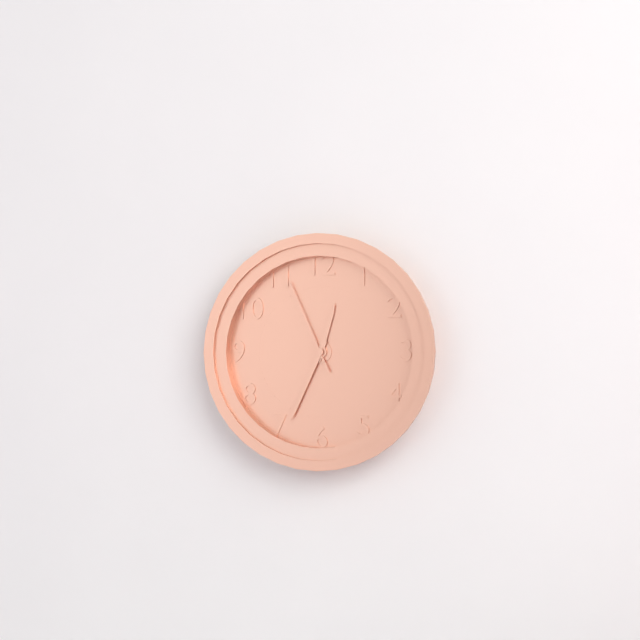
12,34,56
